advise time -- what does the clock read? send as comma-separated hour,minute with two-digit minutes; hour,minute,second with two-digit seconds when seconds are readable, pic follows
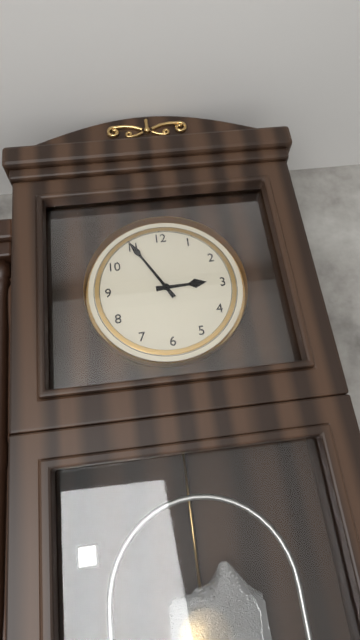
2,55
